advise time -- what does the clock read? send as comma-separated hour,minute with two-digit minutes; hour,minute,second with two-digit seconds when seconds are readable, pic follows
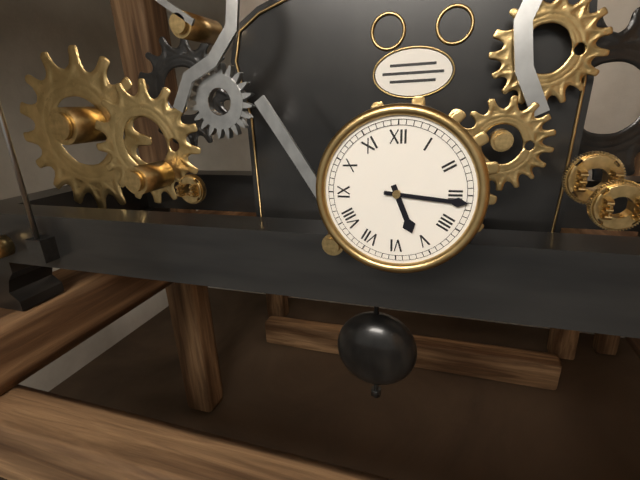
5,16
